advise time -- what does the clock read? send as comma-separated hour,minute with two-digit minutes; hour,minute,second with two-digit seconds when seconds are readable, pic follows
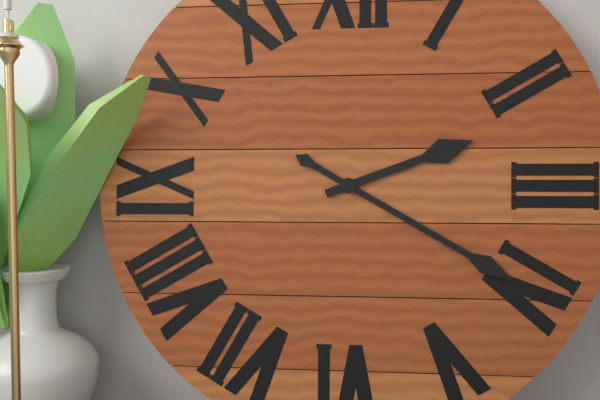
2,20
